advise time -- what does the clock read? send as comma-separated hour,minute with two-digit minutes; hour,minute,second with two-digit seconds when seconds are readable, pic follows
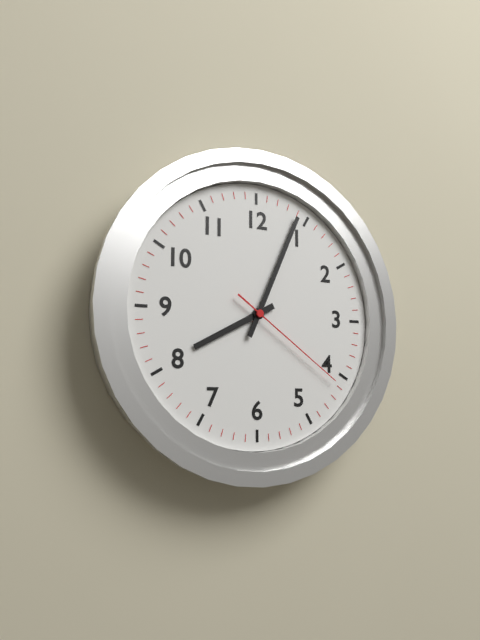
8,04,21
